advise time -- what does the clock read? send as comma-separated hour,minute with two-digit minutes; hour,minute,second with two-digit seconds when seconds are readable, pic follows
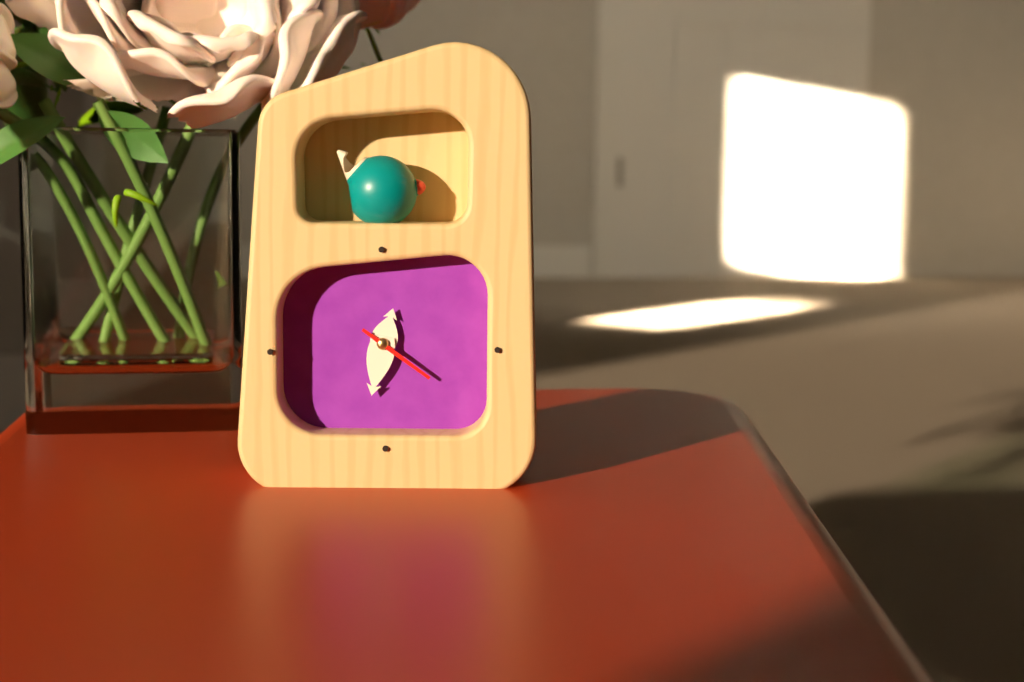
12,32,21
